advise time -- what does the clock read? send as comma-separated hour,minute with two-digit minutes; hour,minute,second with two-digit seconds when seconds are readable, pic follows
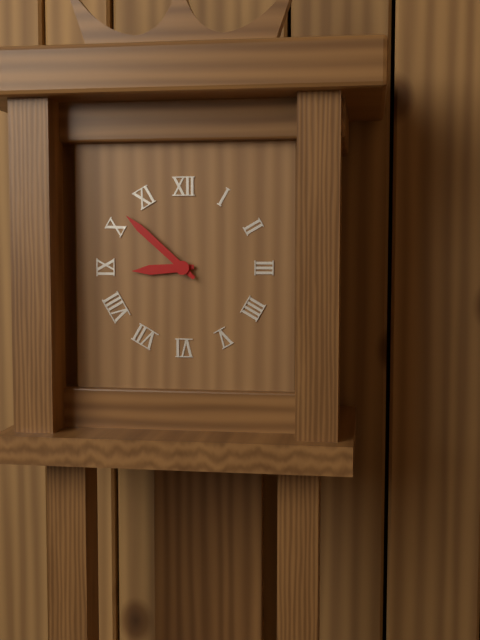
8,52
